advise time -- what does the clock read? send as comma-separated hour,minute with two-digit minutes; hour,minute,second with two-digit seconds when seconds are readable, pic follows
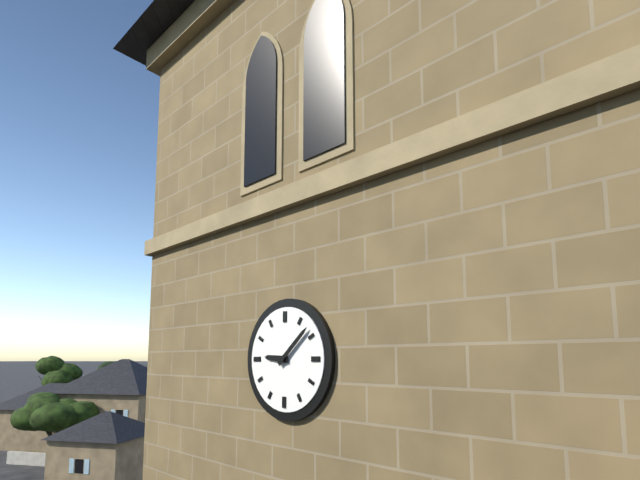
9,08
